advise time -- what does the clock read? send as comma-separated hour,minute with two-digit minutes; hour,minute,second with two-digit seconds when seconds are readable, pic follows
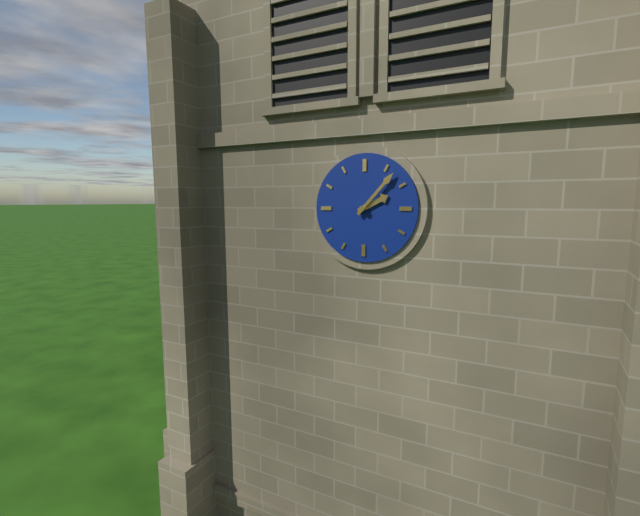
2,07
